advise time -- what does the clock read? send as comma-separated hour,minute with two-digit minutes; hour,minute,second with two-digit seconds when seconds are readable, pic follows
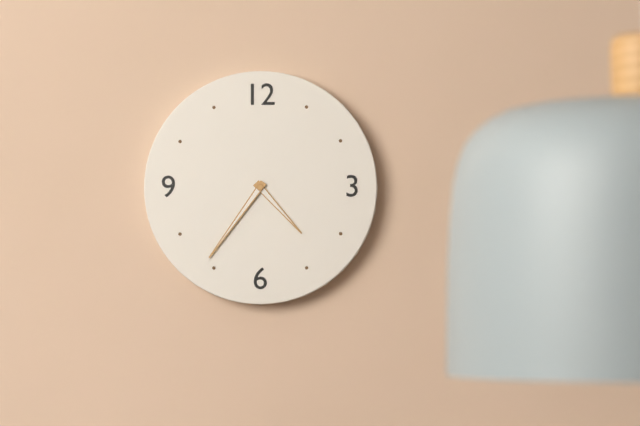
4,36
